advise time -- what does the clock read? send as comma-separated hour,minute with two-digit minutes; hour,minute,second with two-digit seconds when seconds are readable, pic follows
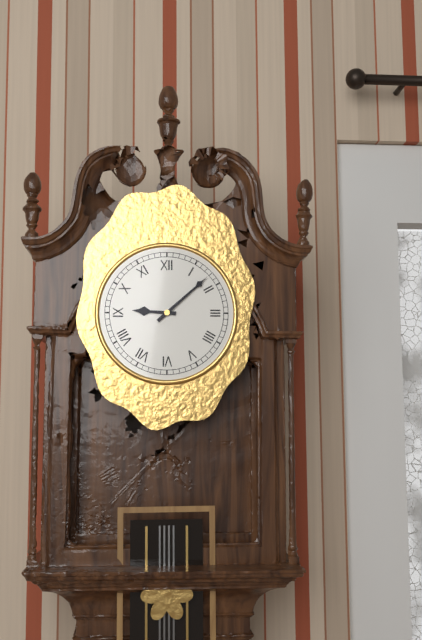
9,08
